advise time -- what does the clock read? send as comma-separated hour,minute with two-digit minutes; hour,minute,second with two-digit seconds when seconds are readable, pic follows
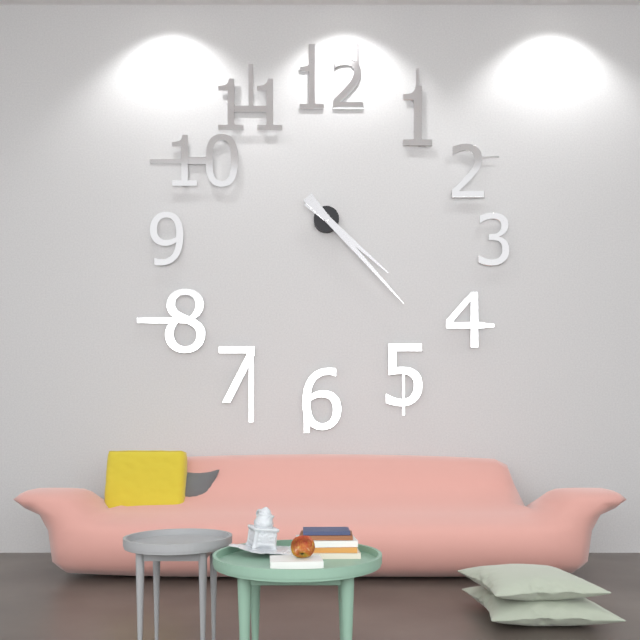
4,23
